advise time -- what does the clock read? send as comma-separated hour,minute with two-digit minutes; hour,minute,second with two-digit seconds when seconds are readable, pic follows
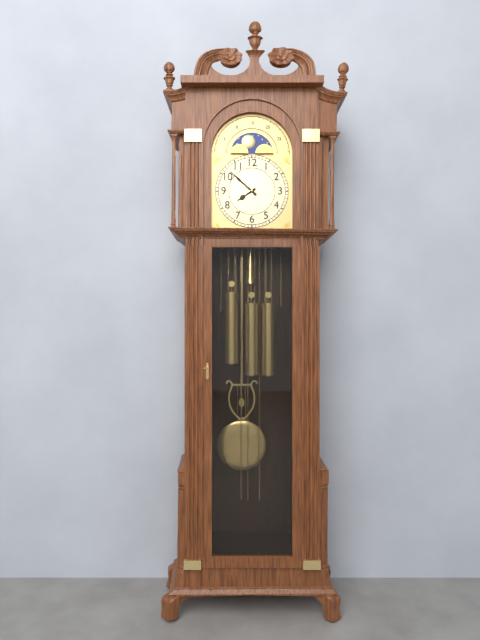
7,52
